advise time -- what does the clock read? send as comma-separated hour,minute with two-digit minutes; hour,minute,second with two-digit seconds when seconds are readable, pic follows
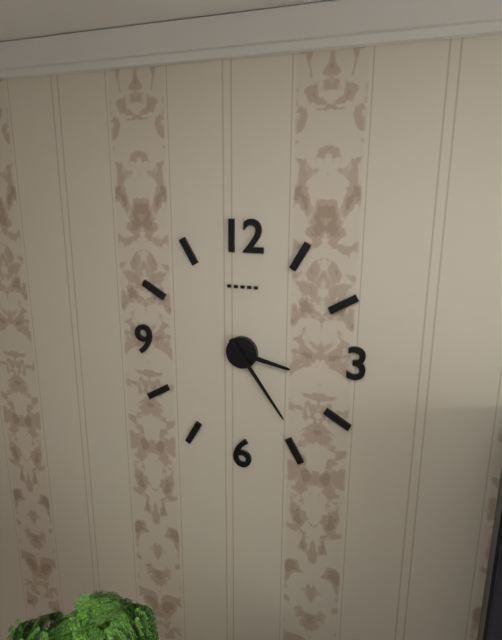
3,24
